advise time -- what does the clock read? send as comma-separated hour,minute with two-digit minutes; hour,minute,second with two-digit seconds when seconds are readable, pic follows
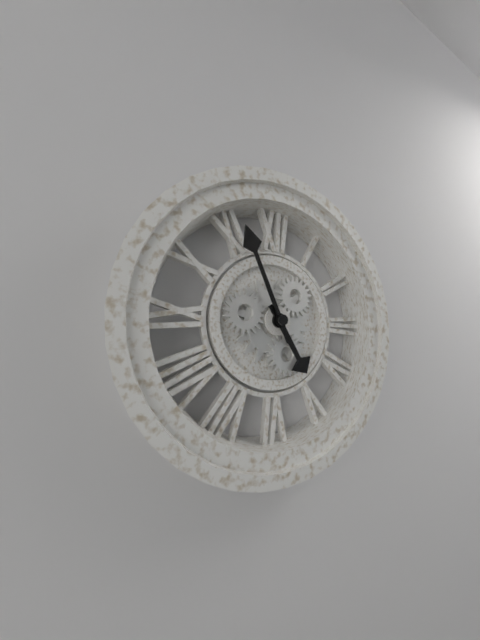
4,56
